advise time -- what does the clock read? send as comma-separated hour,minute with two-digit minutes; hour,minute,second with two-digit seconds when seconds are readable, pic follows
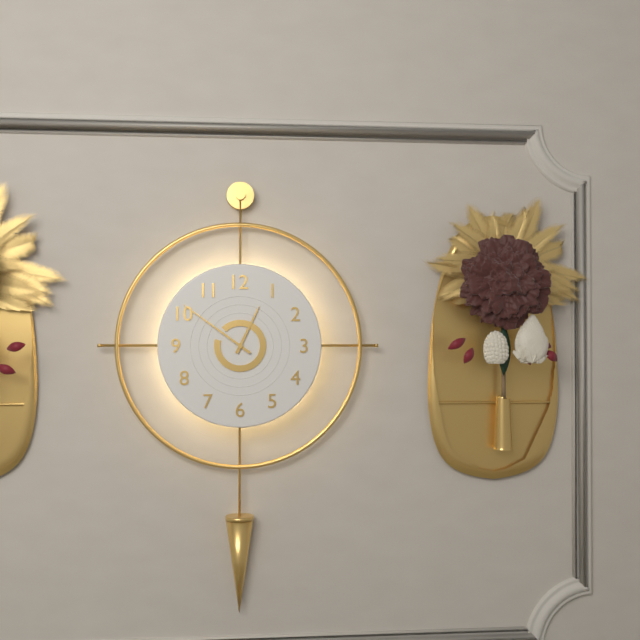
12,51
